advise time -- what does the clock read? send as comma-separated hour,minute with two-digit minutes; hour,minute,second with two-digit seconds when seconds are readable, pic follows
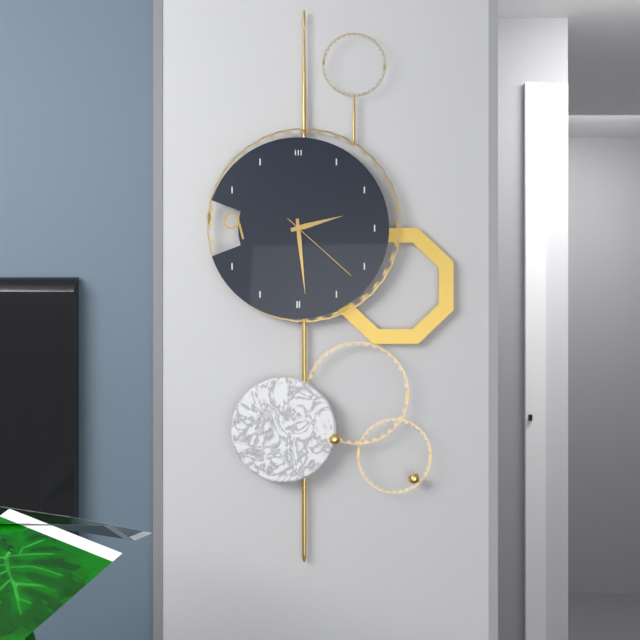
2,29,22
